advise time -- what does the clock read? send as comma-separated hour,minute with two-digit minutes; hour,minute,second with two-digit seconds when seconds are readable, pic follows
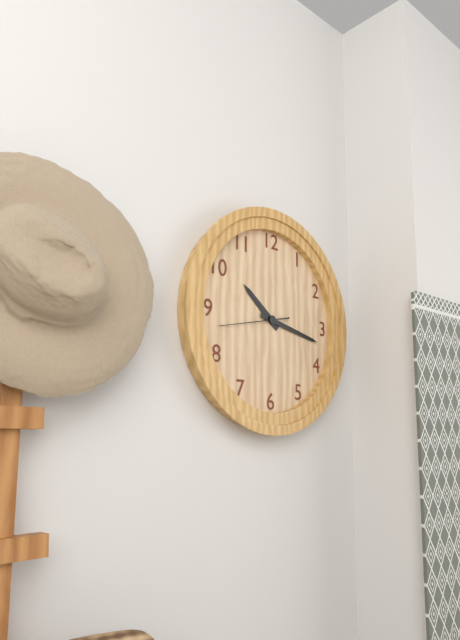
10,17,43
